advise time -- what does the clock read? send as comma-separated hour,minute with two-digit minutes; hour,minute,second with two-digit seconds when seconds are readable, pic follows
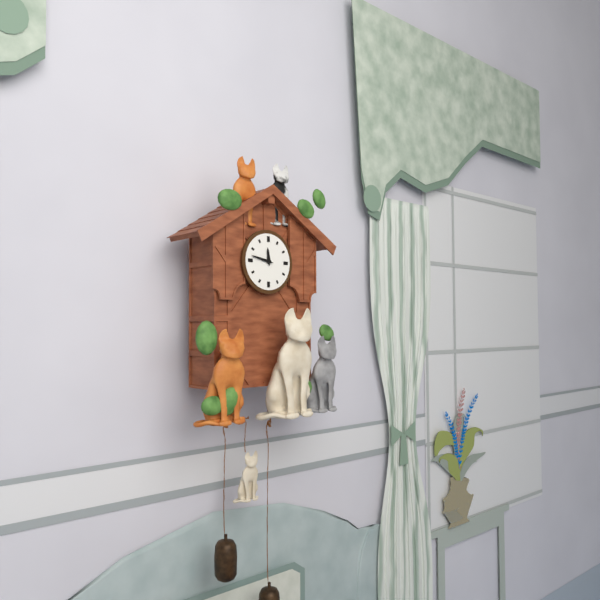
11,47
